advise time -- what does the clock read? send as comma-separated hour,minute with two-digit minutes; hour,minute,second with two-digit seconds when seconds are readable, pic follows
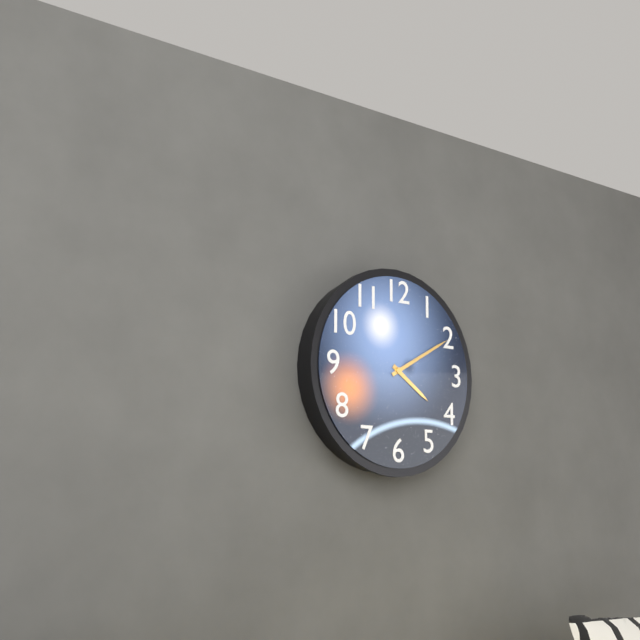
4,10
